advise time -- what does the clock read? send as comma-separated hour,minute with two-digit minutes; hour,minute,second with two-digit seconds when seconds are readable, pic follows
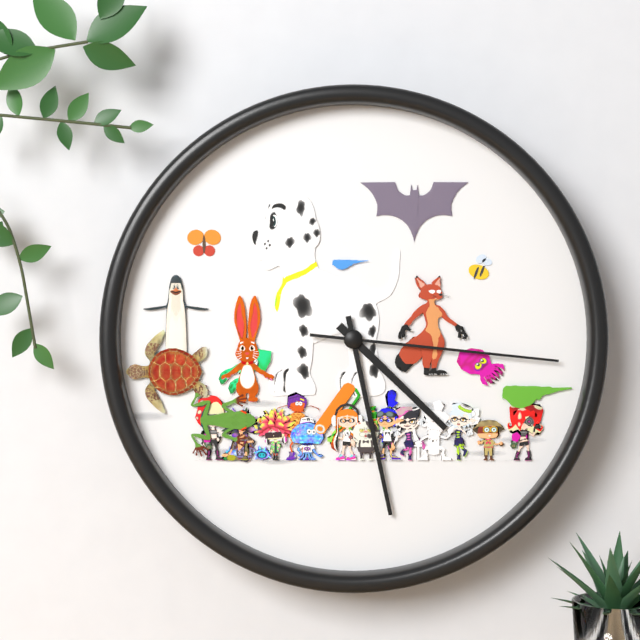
4,28,16
